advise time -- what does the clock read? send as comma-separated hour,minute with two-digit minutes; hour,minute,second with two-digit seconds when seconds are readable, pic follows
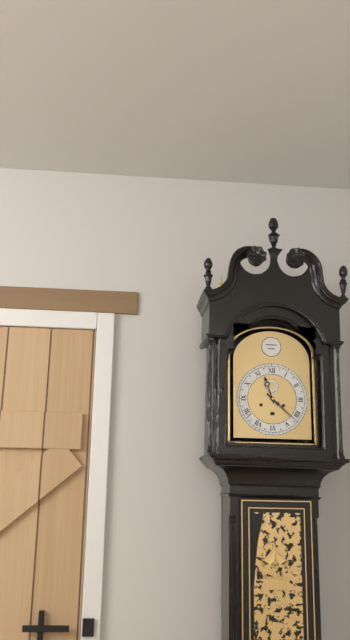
11,22
